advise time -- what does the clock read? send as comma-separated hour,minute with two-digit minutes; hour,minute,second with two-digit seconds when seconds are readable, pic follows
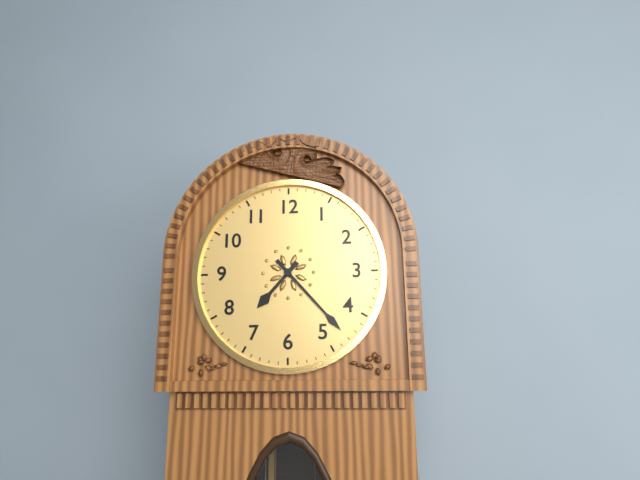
7,23
